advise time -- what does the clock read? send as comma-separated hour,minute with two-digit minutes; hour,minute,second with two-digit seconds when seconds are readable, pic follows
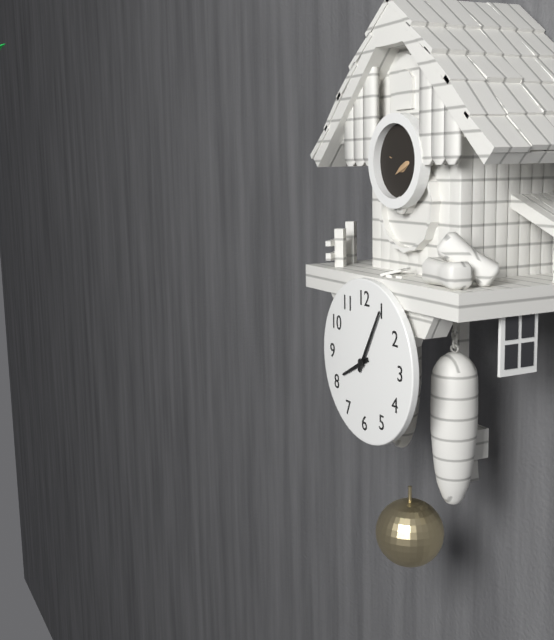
8,05
